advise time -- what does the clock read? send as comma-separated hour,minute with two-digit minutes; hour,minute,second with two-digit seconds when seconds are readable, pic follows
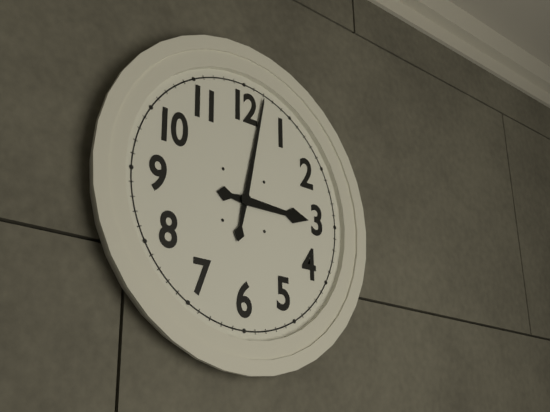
3,02
